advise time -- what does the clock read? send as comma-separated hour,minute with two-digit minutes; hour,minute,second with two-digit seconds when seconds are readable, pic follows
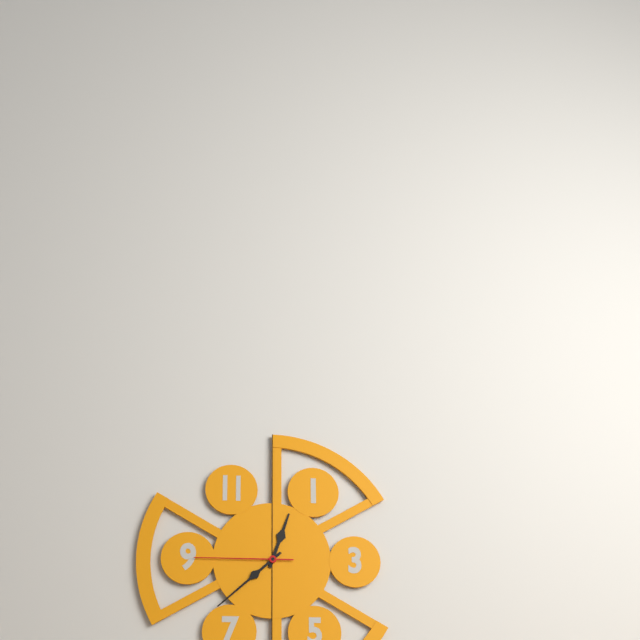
12,38,45
